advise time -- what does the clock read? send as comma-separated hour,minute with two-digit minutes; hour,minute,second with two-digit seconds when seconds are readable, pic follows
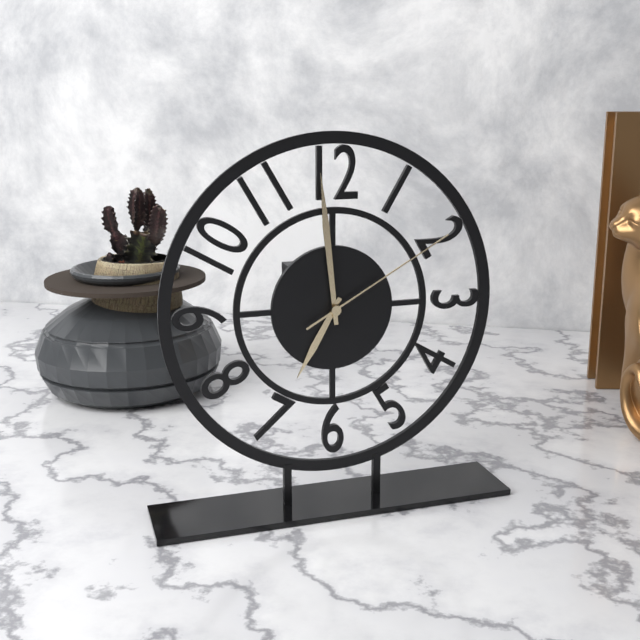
6,59,10
